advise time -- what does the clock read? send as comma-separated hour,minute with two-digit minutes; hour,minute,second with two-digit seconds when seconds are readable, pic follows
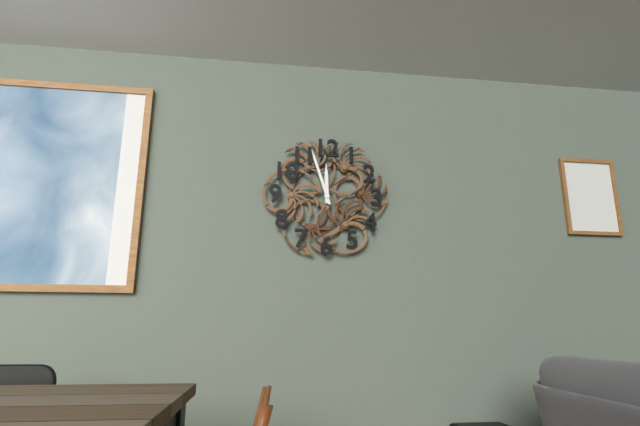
11,57
